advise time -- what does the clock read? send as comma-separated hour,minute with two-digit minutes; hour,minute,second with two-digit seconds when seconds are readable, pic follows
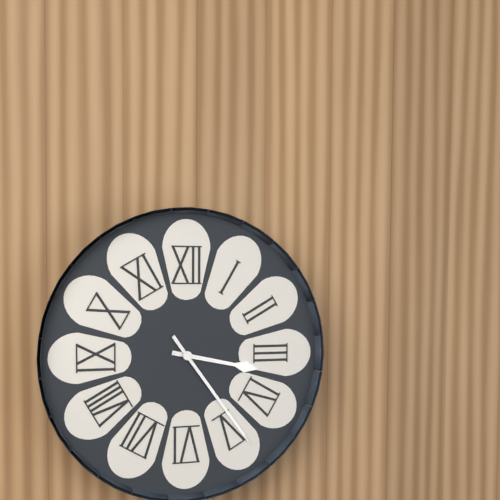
3,24
